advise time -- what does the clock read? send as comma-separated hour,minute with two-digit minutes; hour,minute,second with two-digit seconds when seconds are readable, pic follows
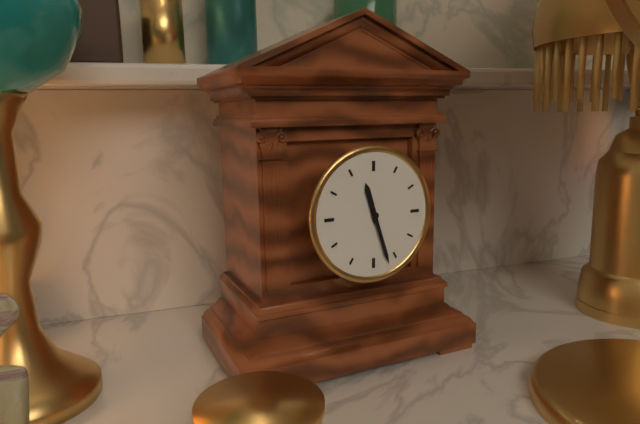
11,27
